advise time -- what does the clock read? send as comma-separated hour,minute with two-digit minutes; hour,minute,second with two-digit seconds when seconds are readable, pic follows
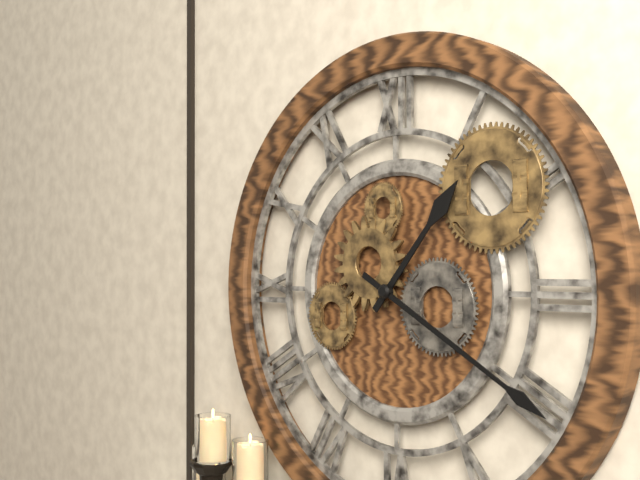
1,20
